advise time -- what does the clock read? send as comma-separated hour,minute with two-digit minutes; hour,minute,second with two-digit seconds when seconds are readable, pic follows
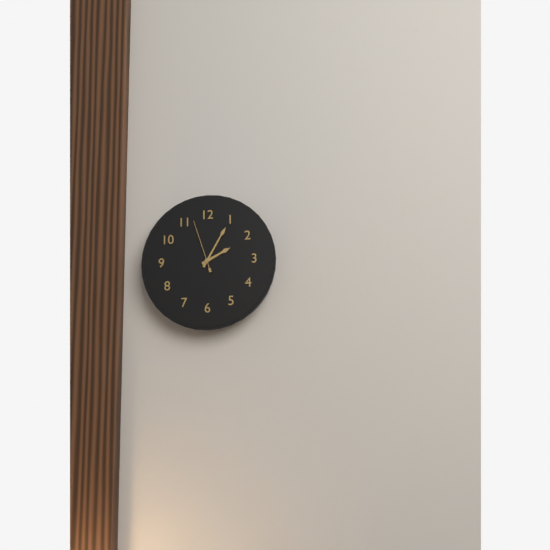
2,05,57
